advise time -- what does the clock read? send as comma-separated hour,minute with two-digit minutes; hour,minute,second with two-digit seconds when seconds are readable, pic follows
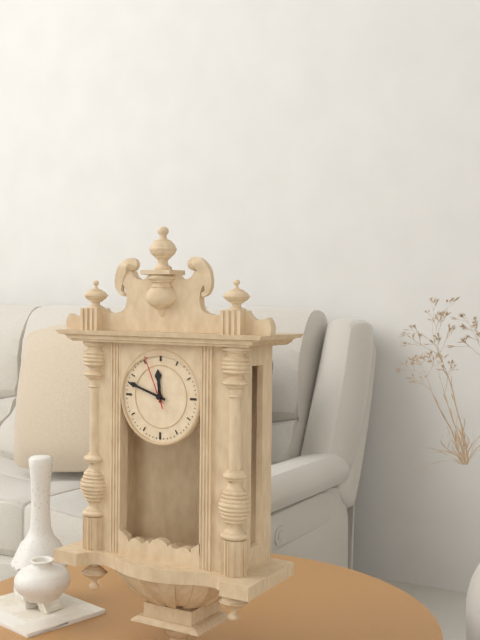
11,48,56
